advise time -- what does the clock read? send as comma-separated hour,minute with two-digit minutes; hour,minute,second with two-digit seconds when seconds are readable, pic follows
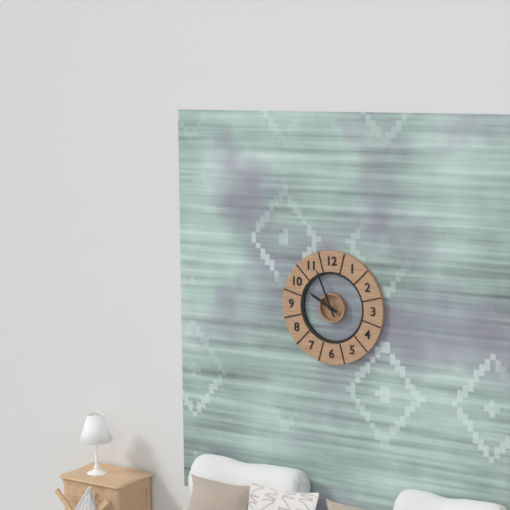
9,56
